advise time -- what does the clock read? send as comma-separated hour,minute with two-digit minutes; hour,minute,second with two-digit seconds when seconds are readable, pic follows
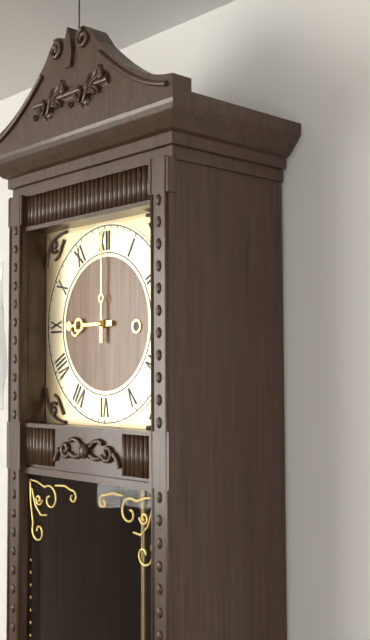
9,00
